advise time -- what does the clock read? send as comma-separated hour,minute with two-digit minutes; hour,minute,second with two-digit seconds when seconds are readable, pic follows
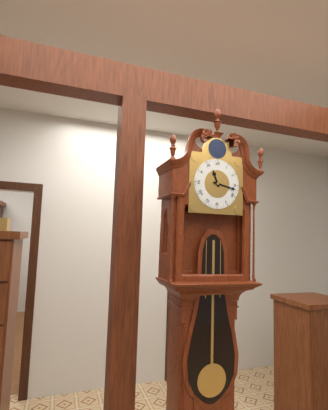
11,17
